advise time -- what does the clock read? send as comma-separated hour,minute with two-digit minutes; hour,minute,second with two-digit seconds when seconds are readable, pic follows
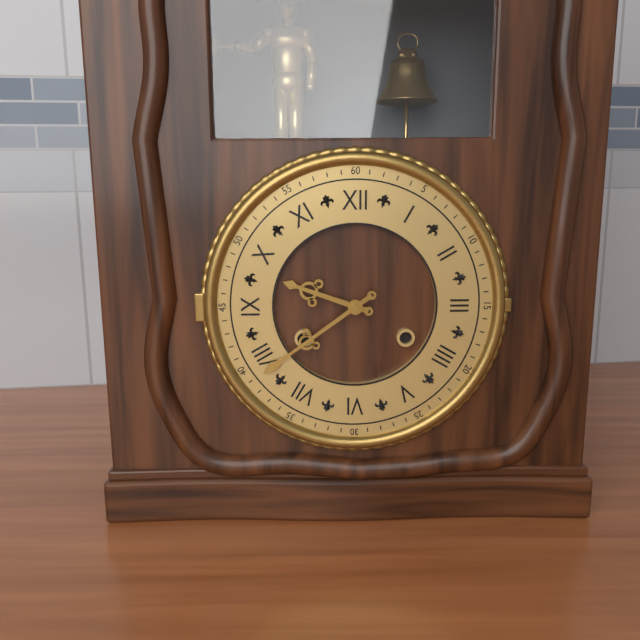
9,39
